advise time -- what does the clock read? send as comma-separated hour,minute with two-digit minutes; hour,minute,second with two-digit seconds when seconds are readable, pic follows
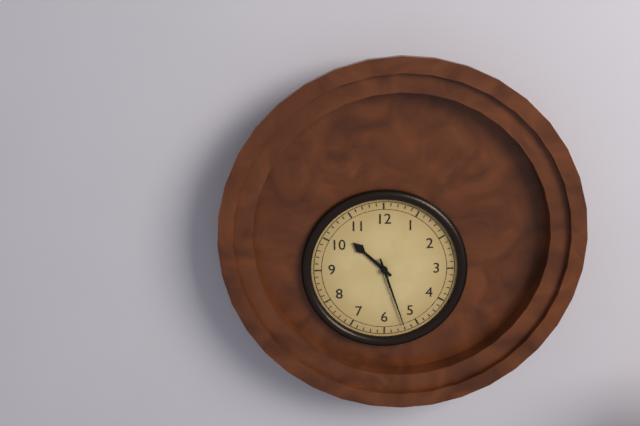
10,27
